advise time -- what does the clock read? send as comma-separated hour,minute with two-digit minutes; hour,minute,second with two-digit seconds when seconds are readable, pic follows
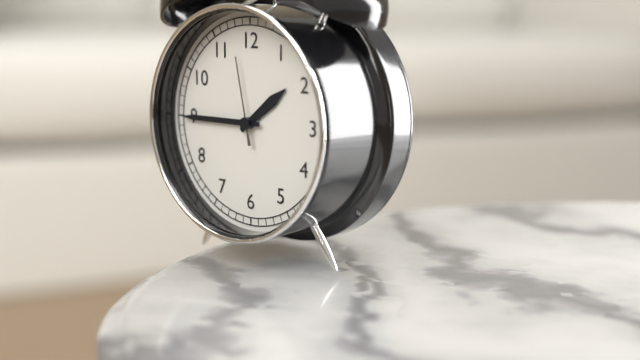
1,45,58
